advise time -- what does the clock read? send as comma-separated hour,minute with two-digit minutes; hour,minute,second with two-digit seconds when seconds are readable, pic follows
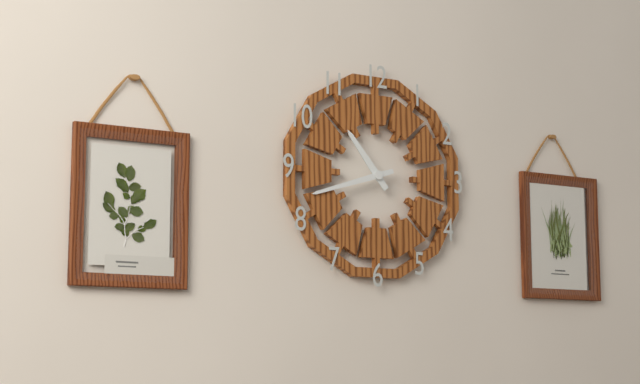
10,42
